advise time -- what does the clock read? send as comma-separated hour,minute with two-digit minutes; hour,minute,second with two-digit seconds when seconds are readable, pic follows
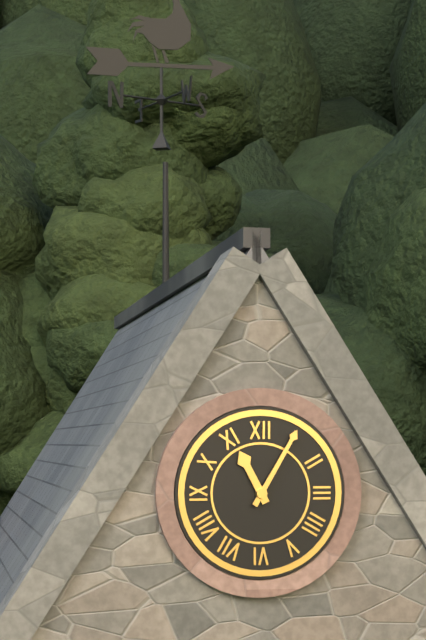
11,05
